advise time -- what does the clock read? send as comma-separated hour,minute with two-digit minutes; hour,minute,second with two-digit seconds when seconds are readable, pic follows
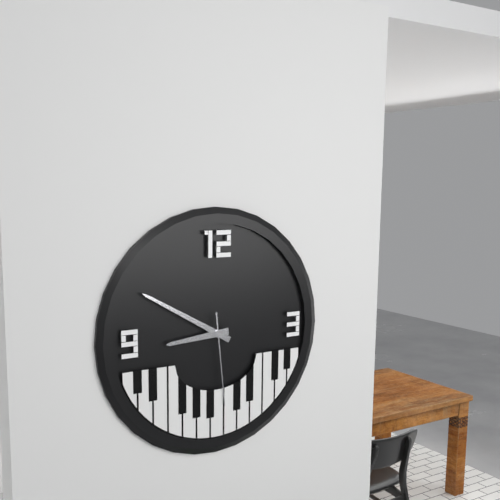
8,50,29
